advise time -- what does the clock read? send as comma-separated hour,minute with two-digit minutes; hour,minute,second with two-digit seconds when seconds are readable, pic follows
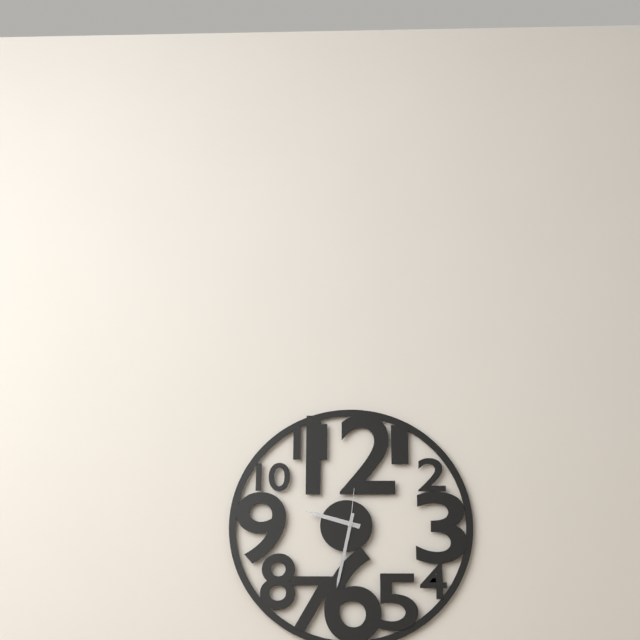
9,32
